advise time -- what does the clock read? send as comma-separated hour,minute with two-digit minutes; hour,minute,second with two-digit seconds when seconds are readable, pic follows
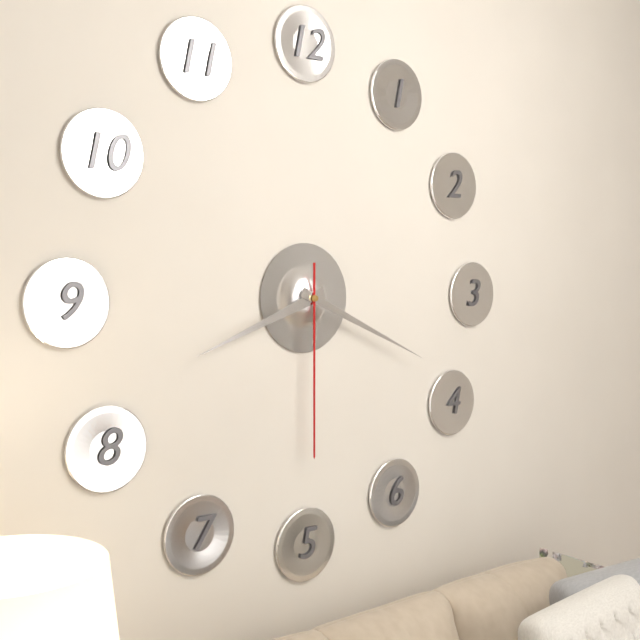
8,19,30
